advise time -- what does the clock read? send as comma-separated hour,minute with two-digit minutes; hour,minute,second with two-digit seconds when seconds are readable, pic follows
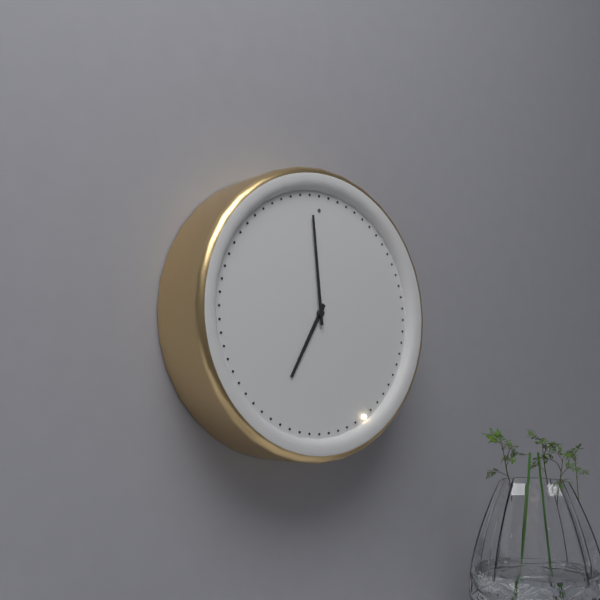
6,59
